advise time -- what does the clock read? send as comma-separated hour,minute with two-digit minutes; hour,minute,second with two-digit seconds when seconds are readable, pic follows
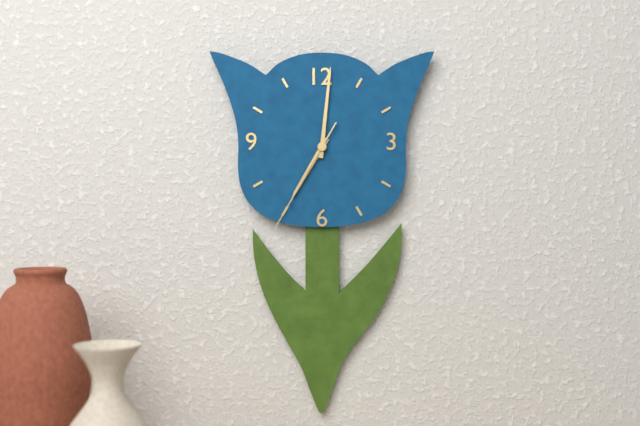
7,01,35
